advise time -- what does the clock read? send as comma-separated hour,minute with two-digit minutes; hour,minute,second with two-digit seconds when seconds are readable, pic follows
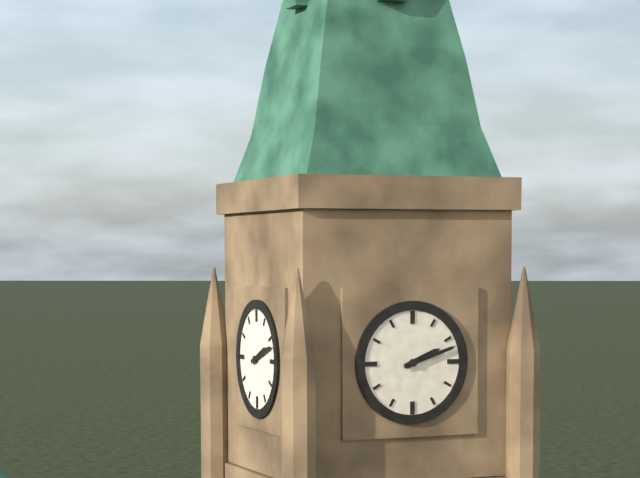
2,12
